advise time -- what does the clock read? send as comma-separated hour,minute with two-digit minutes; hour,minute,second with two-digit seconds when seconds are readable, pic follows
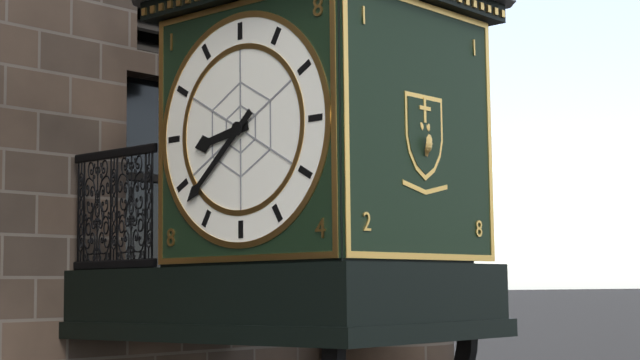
8,38
